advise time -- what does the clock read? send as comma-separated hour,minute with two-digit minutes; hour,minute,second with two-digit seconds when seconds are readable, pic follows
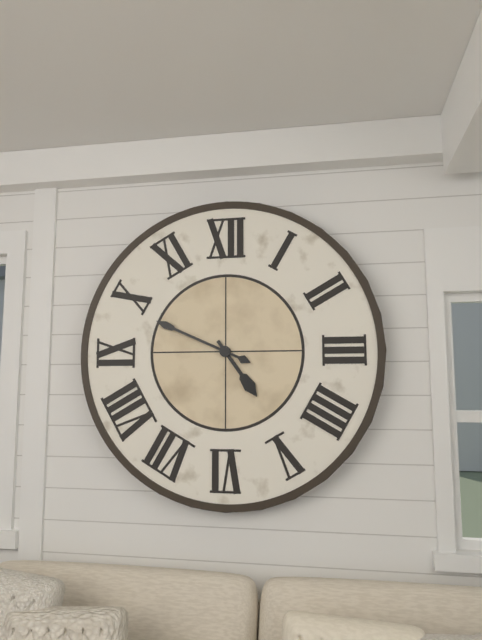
4,49
